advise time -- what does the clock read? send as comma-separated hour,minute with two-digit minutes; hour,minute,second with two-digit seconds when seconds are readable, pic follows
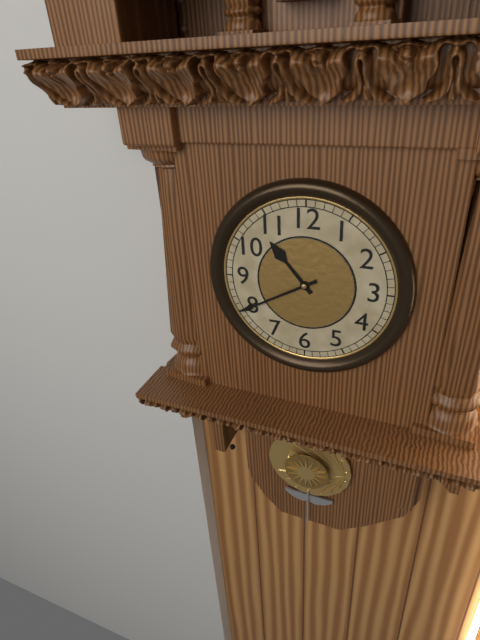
10,40
